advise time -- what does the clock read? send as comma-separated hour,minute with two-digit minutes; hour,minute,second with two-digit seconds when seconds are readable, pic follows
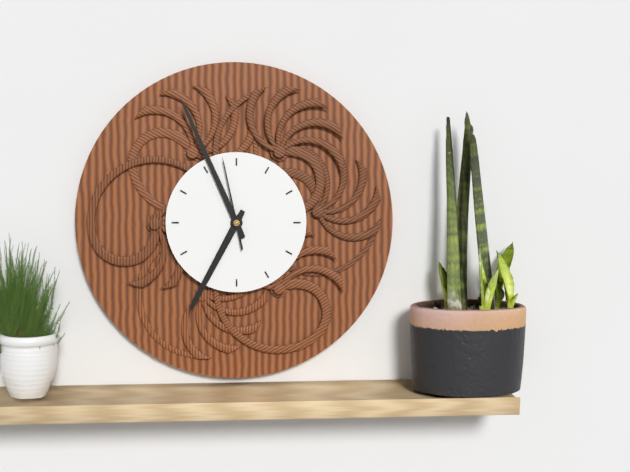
6,56,58
